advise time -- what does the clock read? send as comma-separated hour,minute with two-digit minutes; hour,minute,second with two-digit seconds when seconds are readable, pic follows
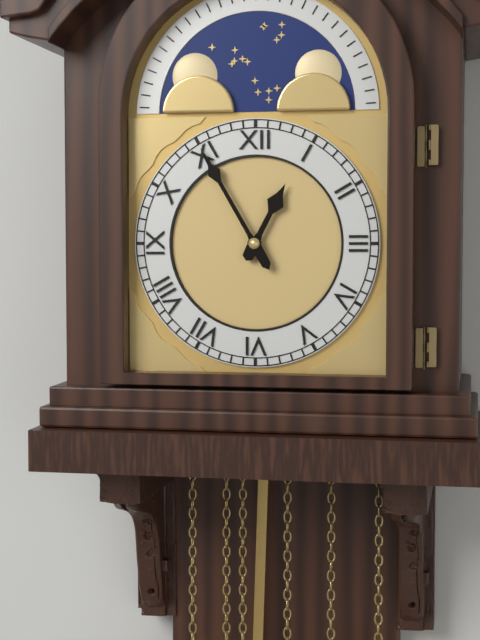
12,55
